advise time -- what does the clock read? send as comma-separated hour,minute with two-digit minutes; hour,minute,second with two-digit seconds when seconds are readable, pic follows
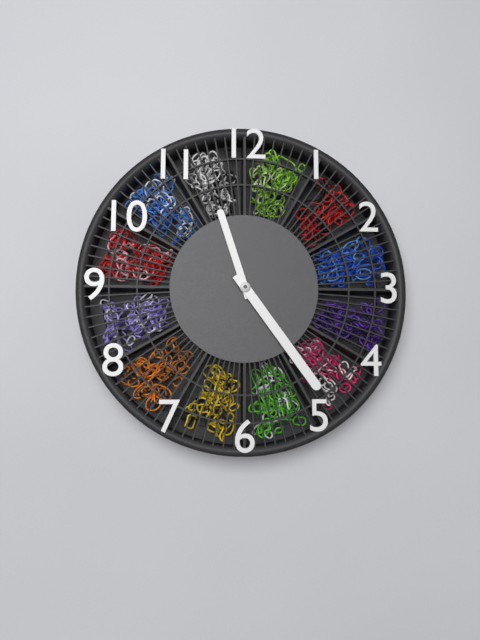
11,24
